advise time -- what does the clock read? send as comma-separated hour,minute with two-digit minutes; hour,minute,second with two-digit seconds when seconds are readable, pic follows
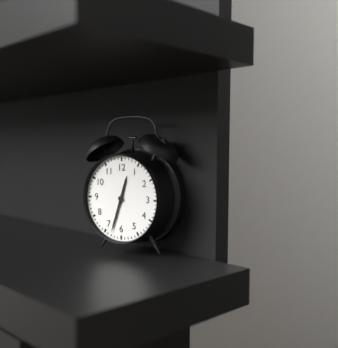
12,33
